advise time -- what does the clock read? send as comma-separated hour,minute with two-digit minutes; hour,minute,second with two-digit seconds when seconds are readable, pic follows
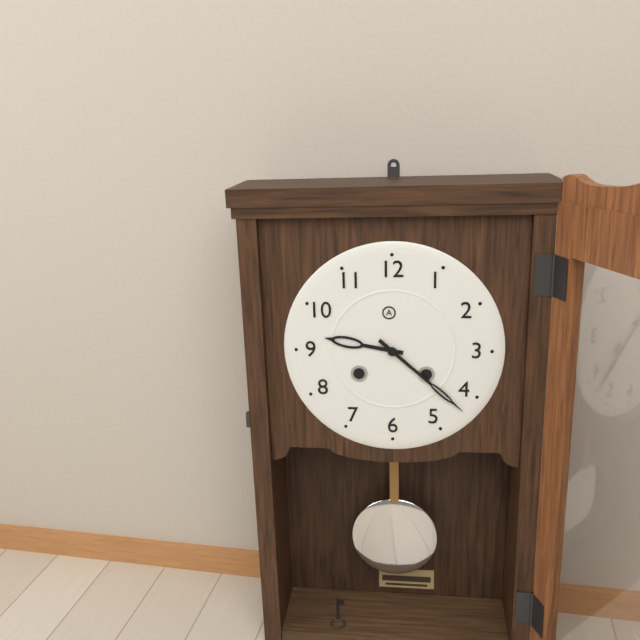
9,22
